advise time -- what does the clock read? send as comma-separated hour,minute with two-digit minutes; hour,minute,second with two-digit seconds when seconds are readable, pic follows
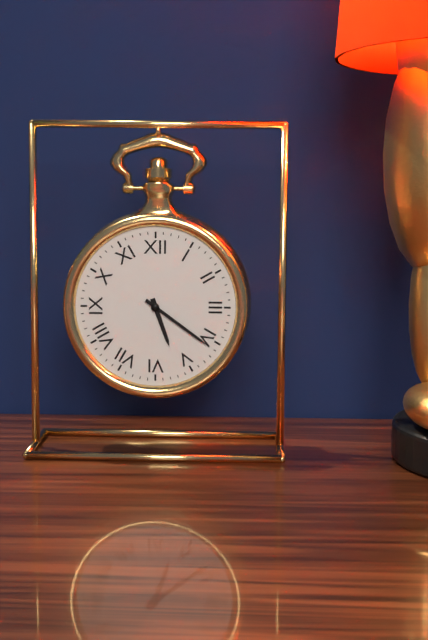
5,21
